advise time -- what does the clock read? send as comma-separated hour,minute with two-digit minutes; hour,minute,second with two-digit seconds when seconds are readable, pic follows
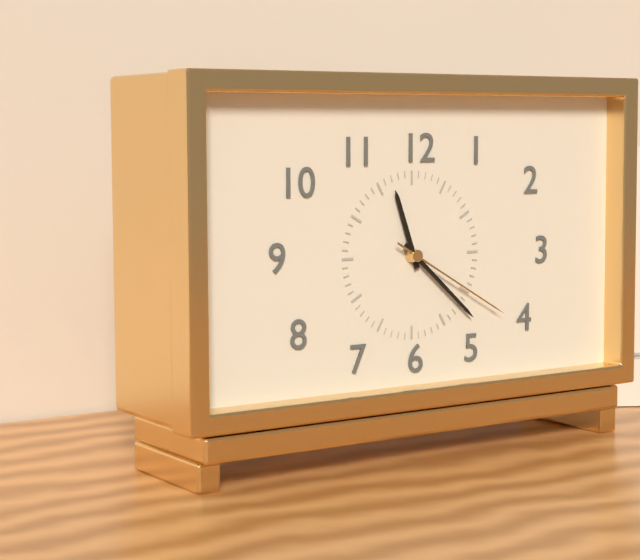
11,22,20
